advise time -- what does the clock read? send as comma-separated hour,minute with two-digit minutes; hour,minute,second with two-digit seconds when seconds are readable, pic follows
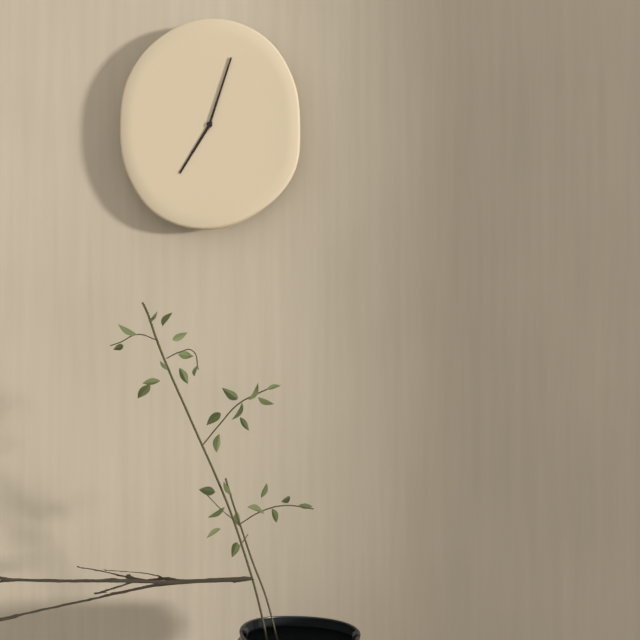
7,03
